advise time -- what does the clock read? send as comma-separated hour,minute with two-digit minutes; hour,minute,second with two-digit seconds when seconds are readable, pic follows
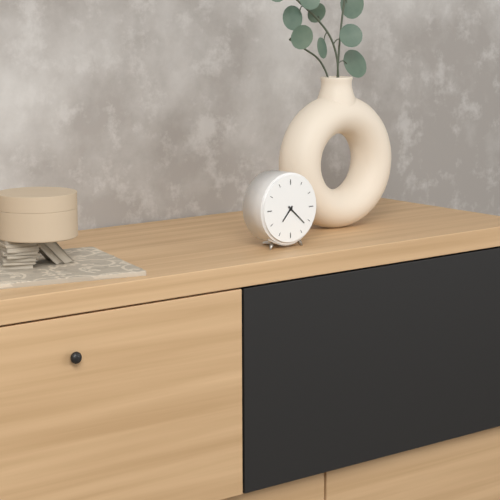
7,22
